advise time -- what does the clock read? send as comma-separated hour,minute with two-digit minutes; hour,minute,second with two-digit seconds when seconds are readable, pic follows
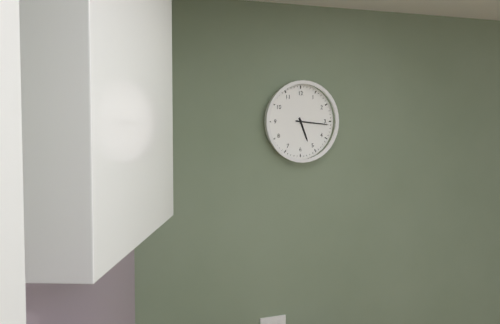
5,16
